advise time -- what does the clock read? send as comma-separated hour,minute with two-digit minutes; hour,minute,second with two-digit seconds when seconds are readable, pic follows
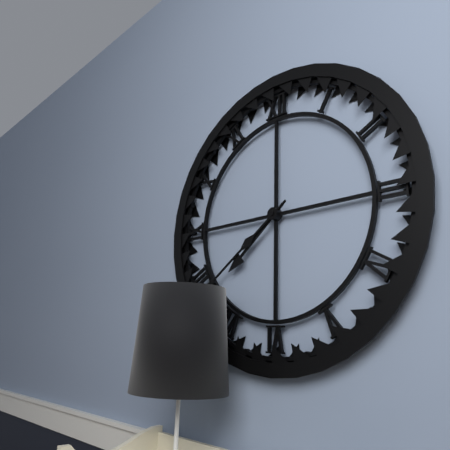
7,39
